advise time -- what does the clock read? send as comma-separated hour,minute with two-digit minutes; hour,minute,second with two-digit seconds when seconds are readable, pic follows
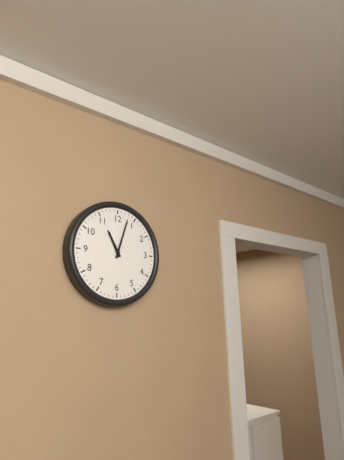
11,03
